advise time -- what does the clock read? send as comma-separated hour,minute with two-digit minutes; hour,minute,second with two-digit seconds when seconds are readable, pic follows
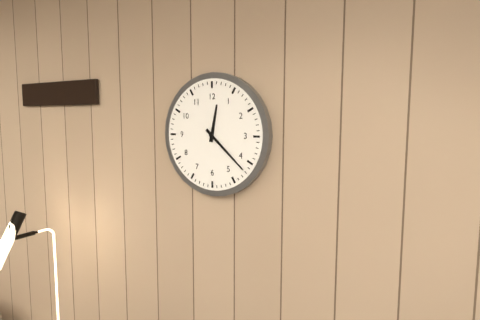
12,22
